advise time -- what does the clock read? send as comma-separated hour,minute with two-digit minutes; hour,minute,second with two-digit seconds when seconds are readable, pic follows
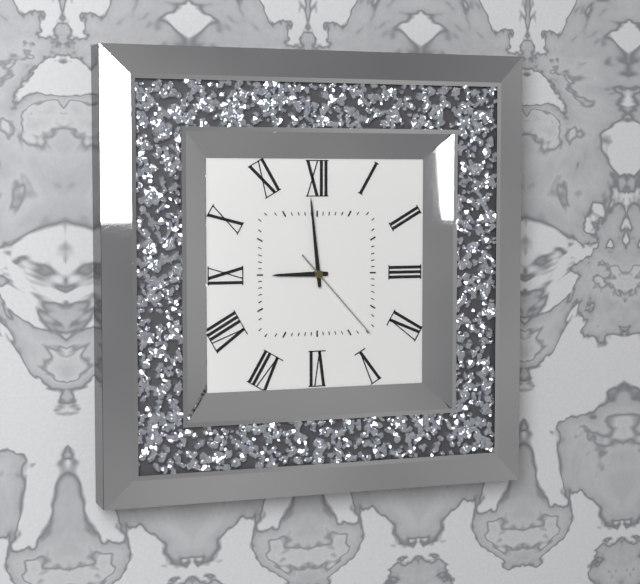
8,59,23
